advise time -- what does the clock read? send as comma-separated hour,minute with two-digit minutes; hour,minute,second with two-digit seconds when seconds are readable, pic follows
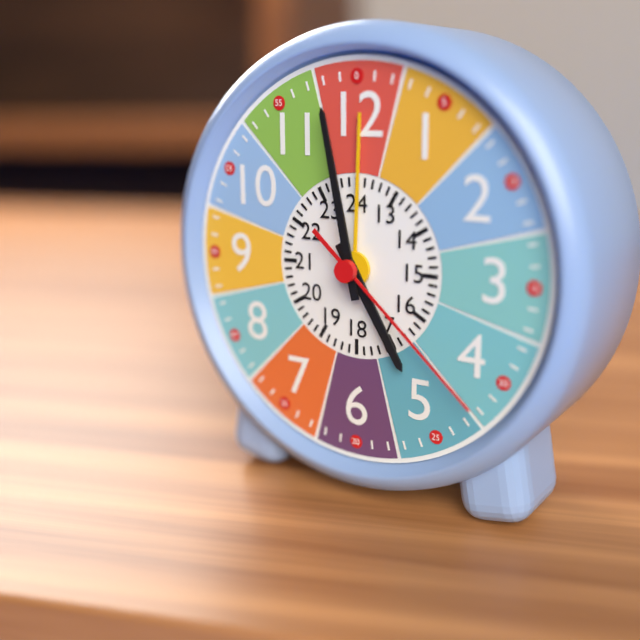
4,58,22
